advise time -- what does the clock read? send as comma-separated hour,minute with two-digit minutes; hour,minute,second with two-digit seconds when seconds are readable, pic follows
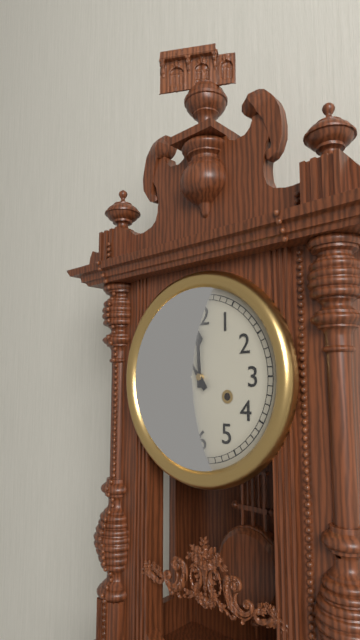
11,54
